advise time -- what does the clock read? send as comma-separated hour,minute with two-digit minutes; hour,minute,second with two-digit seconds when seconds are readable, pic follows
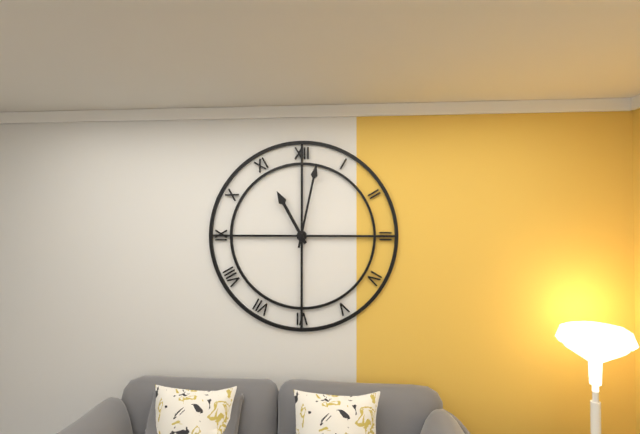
11,02
